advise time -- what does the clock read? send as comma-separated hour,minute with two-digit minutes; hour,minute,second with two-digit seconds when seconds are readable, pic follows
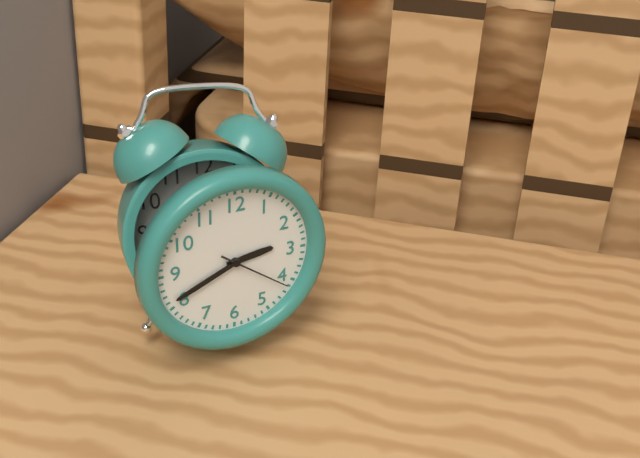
2,41,21
